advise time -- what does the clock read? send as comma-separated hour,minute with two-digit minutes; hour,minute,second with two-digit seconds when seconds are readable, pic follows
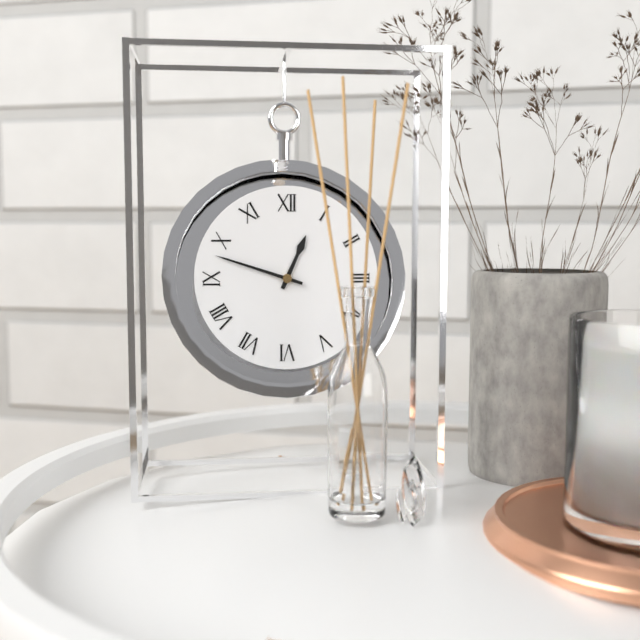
12,48
